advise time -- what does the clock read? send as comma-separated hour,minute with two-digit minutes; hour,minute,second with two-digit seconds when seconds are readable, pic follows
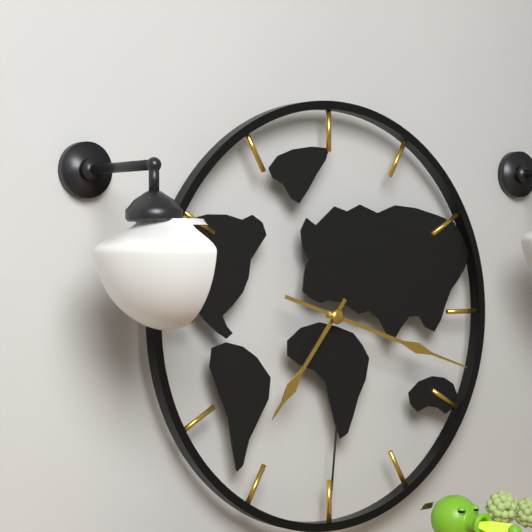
7,18
